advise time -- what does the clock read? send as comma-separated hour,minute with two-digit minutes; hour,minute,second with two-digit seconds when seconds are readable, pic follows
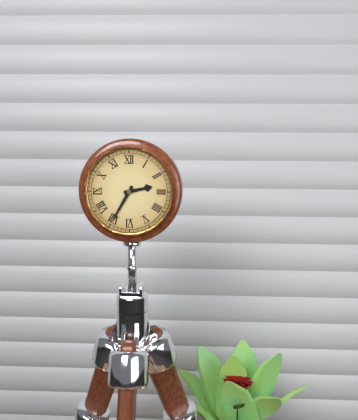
2,35
